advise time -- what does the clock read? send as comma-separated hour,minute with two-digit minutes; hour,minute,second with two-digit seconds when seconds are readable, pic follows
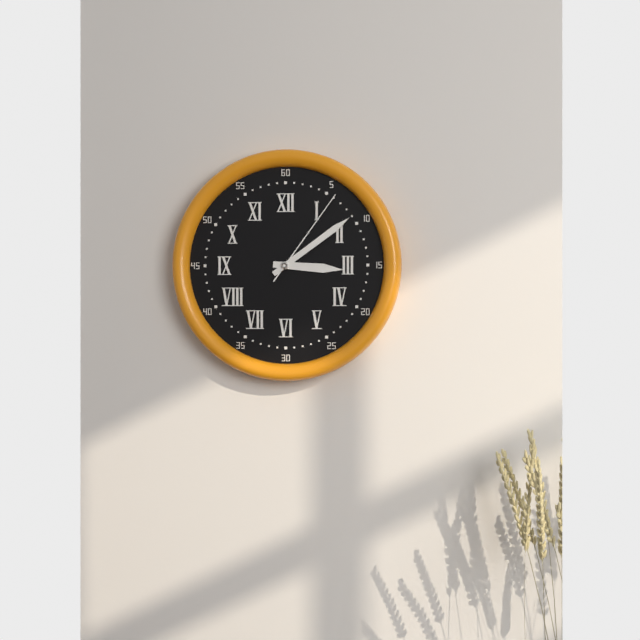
3,09,06
